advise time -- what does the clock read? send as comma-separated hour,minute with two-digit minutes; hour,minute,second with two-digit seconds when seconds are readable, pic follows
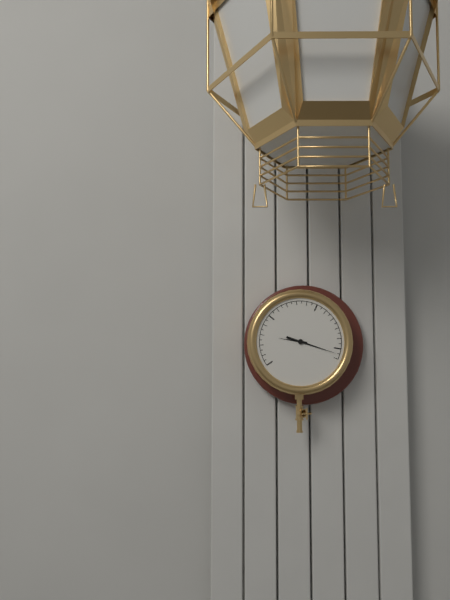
9,18
